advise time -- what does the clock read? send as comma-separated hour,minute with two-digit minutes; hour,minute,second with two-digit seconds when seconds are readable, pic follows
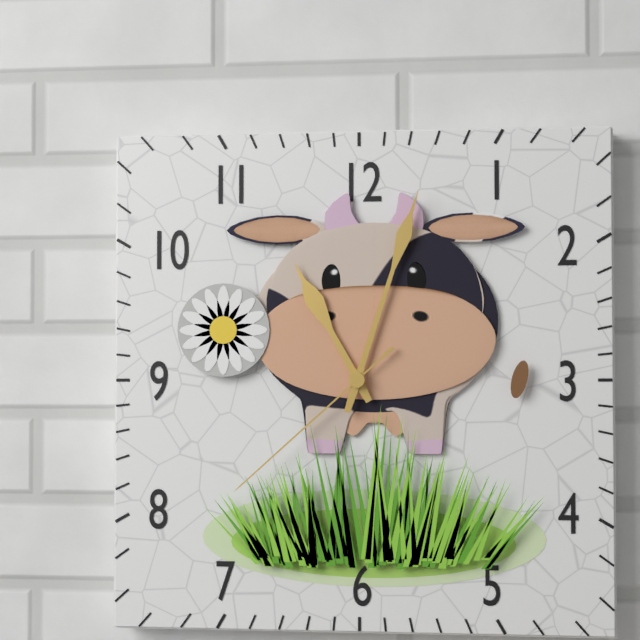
11,03,38
